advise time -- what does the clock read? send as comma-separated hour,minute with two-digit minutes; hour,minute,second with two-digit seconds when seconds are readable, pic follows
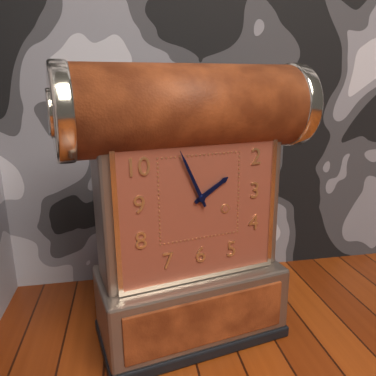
1,56
